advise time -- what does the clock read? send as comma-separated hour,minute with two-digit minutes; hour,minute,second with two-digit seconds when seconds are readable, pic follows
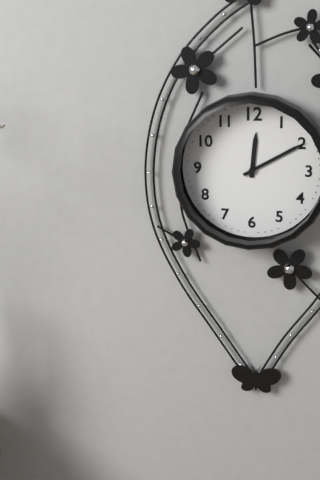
12,10
